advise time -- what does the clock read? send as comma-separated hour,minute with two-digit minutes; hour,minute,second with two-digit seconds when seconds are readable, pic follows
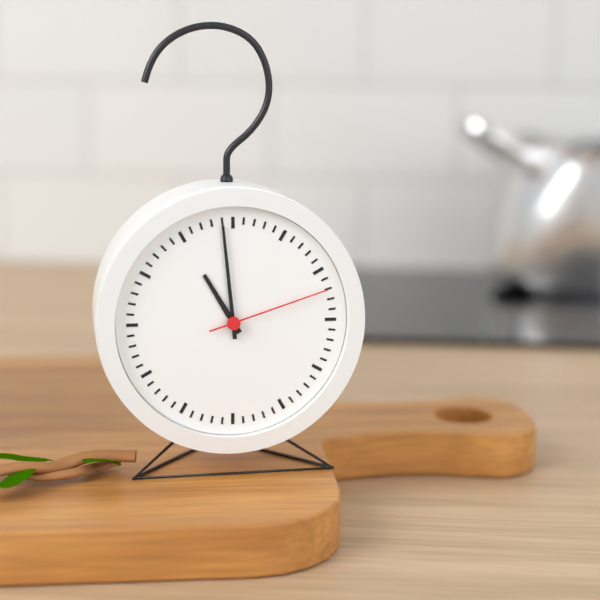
10,59,12
